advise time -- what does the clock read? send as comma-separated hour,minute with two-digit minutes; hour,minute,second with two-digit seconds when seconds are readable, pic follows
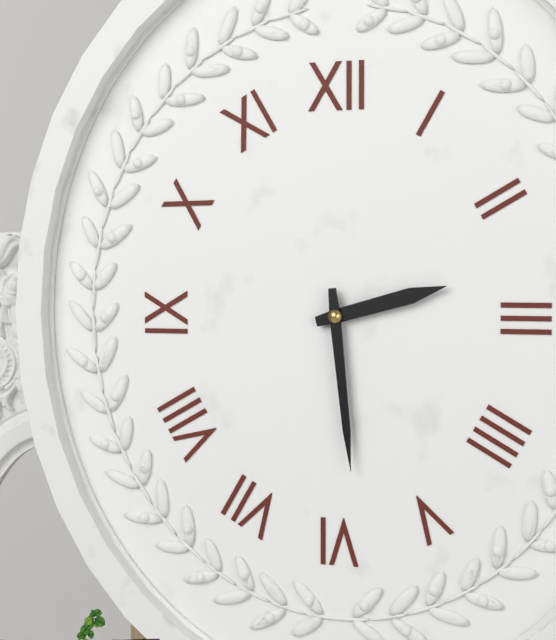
2,29
